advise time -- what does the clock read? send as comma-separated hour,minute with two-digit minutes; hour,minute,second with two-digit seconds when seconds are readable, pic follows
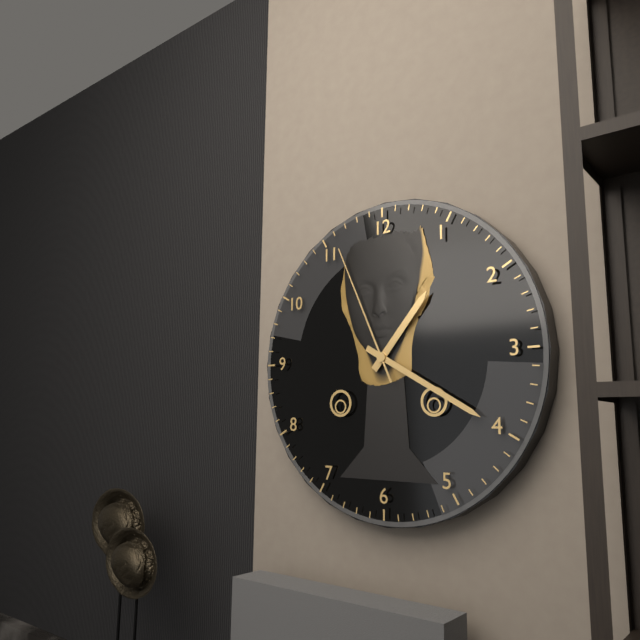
1,20,56
